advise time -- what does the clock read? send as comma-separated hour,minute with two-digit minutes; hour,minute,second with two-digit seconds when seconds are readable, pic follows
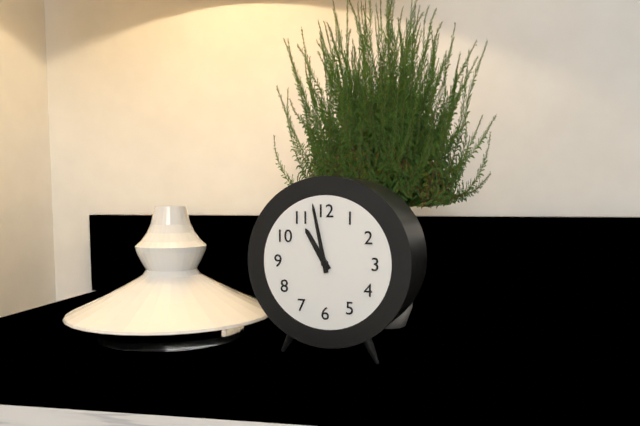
10,58
